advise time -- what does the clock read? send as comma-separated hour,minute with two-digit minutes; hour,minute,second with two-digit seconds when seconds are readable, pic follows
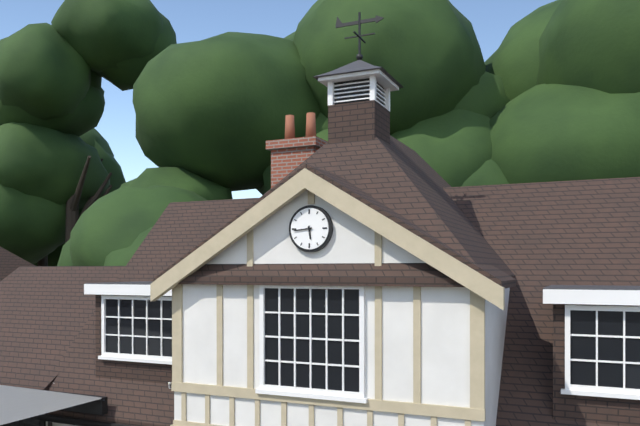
5,44
